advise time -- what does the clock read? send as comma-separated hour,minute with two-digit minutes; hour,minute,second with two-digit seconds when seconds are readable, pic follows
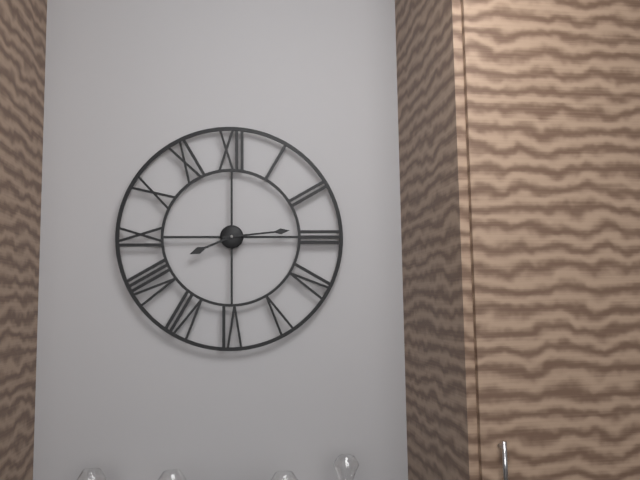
8,14
